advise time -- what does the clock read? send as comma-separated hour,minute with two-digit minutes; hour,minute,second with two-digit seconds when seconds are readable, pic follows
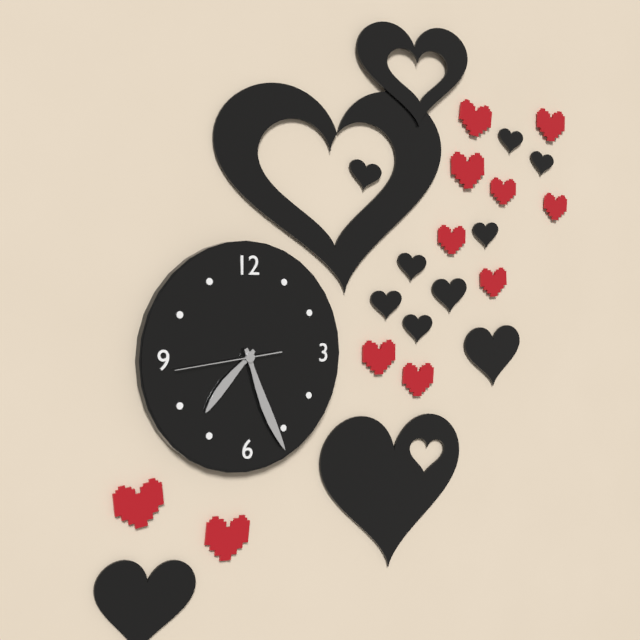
7,26,44
